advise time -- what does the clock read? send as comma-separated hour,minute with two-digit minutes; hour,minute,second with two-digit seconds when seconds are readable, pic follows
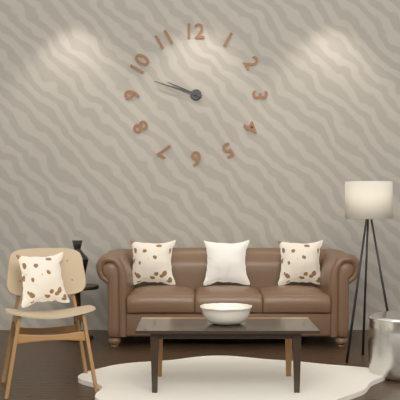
9,48
